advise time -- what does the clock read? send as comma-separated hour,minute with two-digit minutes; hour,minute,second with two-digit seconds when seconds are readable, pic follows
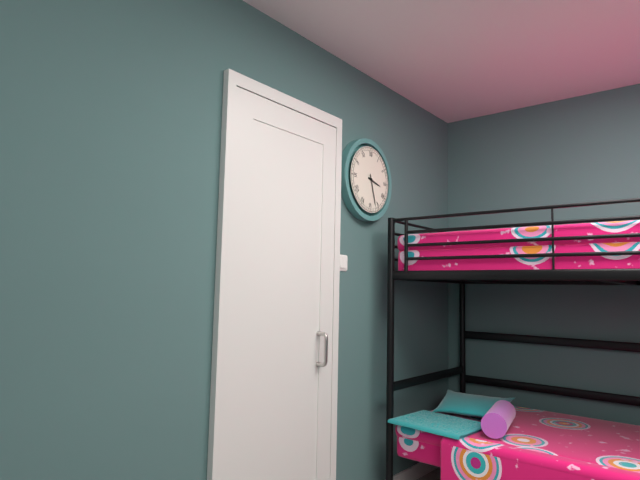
3,27
